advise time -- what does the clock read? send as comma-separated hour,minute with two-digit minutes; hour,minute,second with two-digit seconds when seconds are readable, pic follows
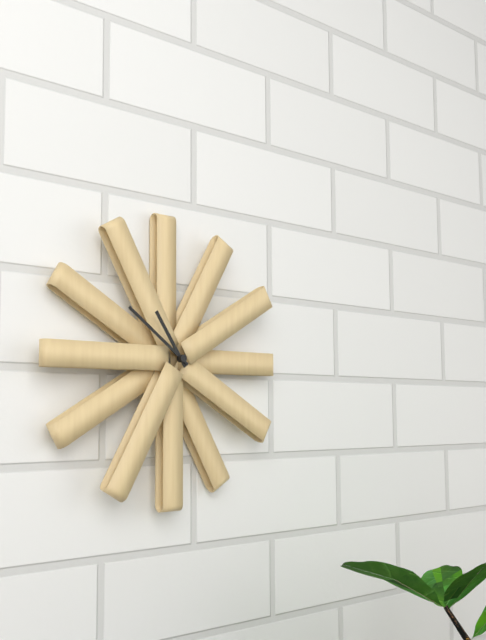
10,51
